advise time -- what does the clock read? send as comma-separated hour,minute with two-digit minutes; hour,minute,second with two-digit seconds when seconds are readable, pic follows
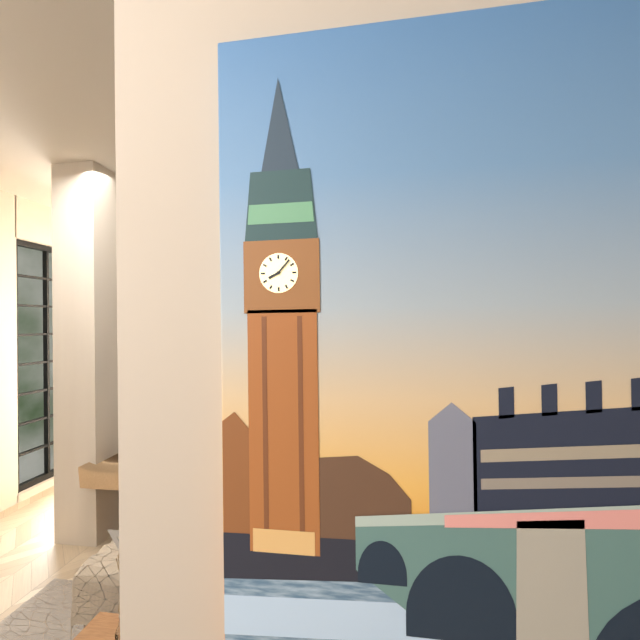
8,07
